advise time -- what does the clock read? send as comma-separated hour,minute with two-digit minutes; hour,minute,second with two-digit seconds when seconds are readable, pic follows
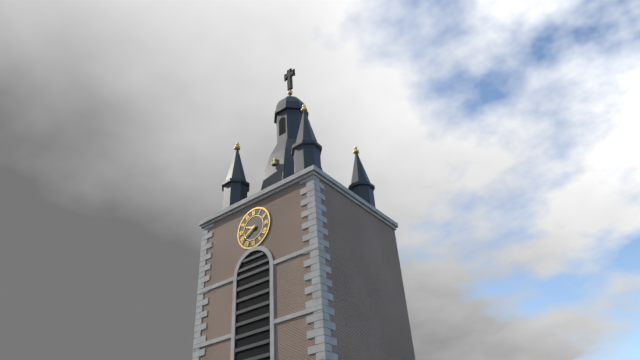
9,40
